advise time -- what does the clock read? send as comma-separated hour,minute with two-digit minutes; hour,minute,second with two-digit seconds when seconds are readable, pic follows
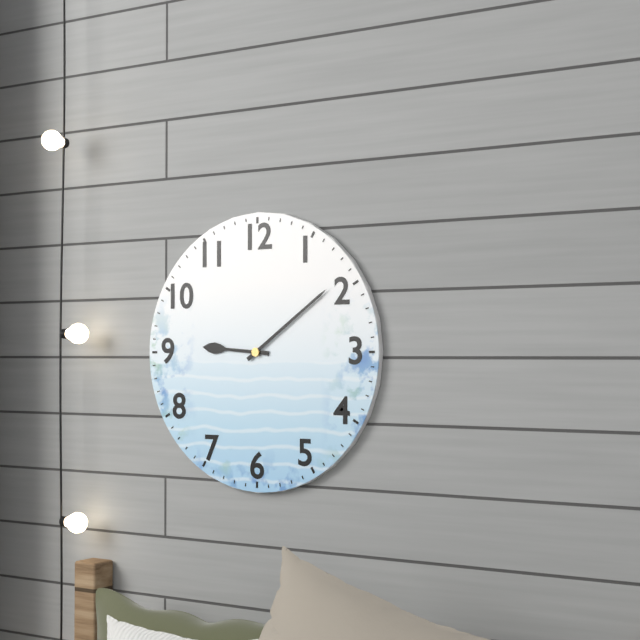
9,09
